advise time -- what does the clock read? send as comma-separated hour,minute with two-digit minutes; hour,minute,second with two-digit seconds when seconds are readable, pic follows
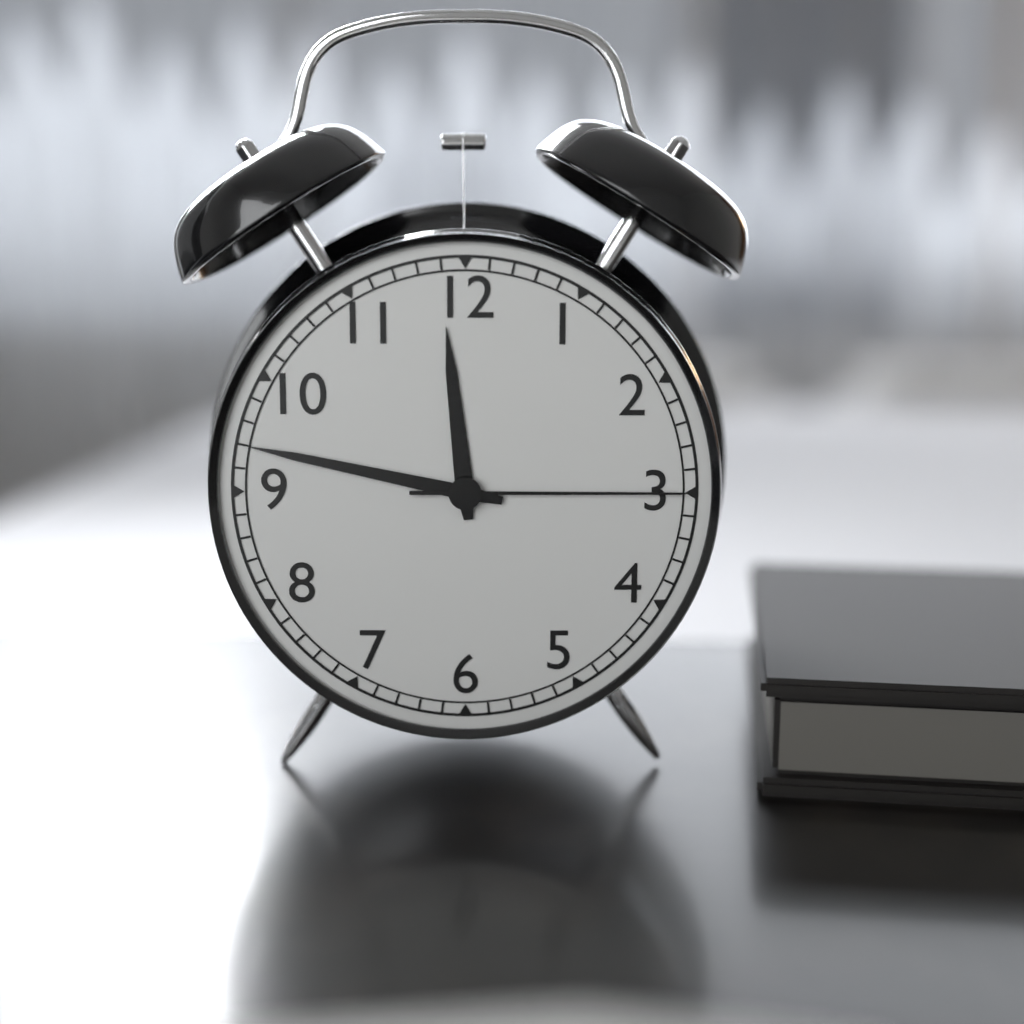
11,47,15
